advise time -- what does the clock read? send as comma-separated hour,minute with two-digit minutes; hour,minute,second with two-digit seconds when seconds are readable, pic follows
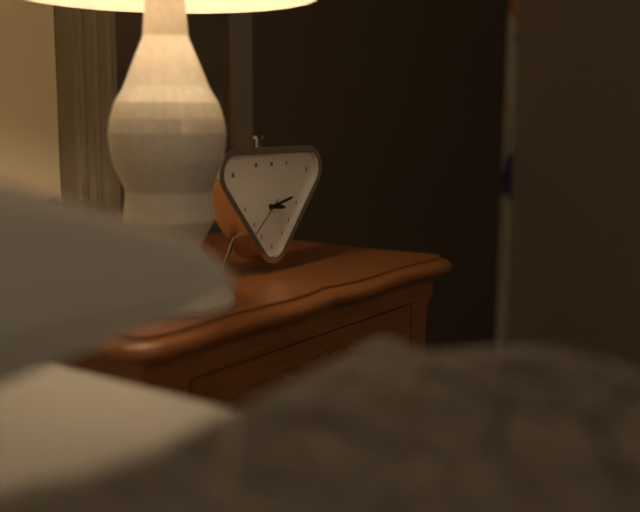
3,13
